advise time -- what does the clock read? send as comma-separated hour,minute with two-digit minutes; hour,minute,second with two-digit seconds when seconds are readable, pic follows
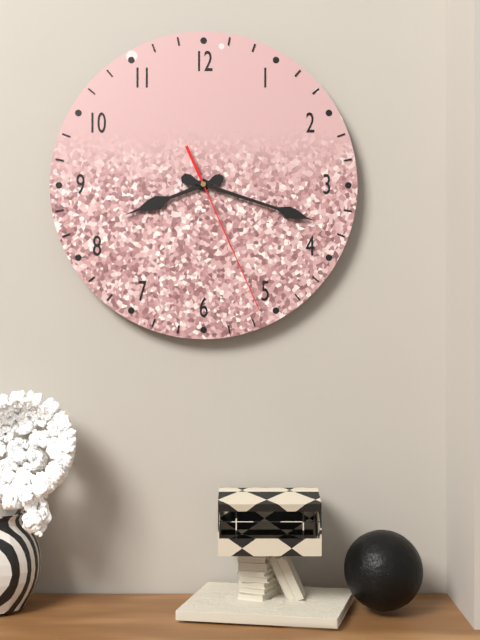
8,18,26
